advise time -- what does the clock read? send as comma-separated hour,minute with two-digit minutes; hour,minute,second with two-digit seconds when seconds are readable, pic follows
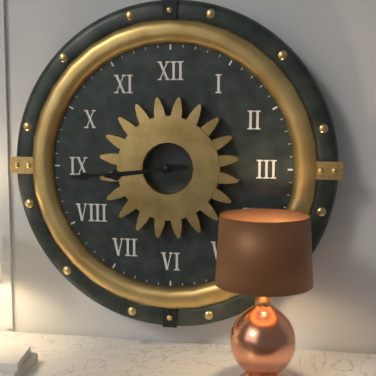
8,44
